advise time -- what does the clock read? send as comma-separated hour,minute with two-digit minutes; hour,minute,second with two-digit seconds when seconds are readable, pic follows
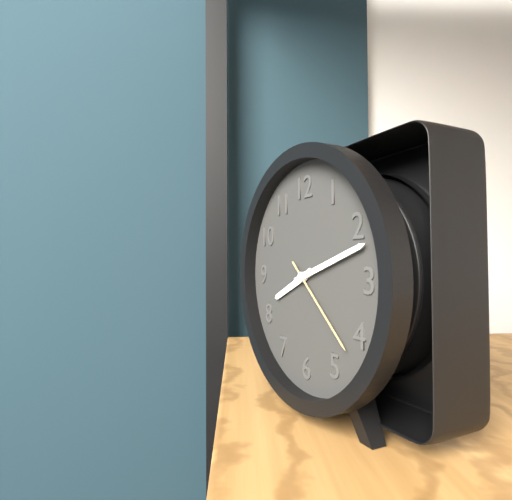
8,12,22
